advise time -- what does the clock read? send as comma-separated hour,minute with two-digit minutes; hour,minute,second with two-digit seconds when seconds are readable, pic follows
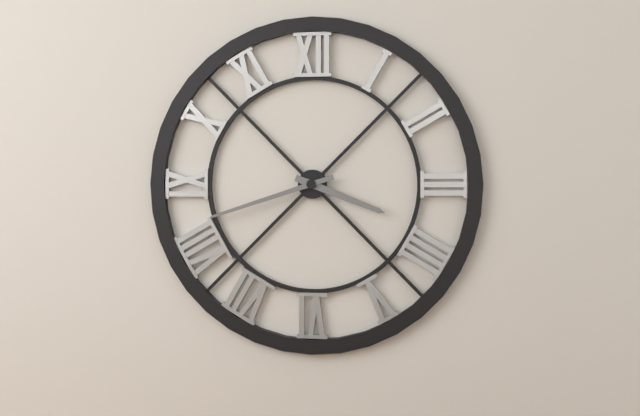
3,42
